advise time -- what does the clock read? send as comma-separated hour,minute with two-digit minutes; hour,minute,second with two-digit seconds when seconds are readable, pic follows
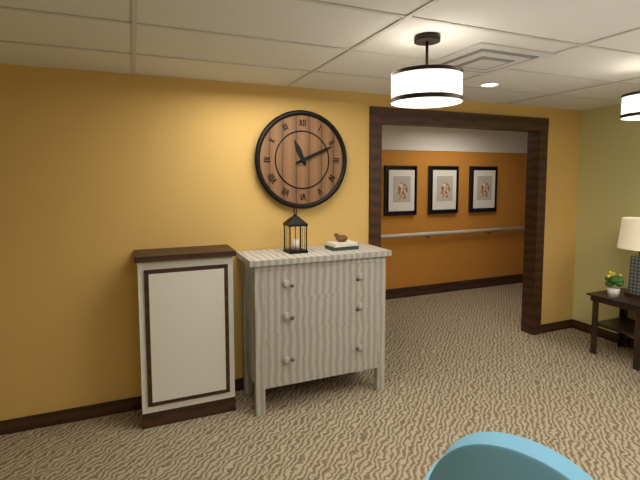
11,11
